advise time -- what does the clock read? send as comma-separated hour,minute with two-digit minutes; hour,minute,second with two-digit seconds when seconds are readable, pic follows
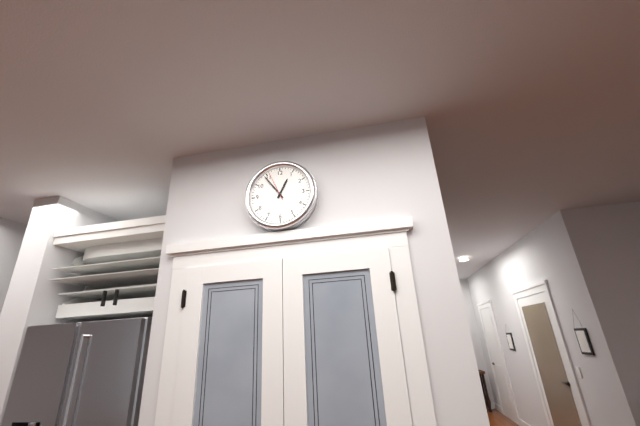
12,54
